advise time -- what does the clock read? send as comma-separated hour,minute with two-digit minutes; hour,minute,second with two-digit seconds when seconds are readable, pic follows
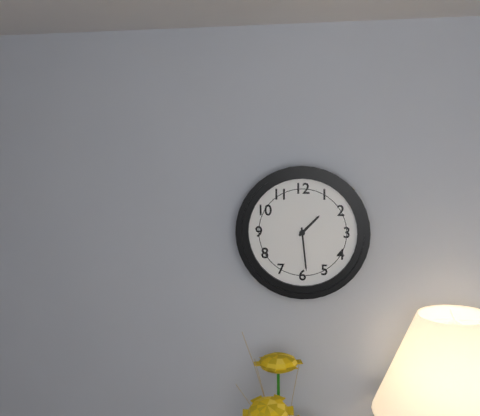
1,29
